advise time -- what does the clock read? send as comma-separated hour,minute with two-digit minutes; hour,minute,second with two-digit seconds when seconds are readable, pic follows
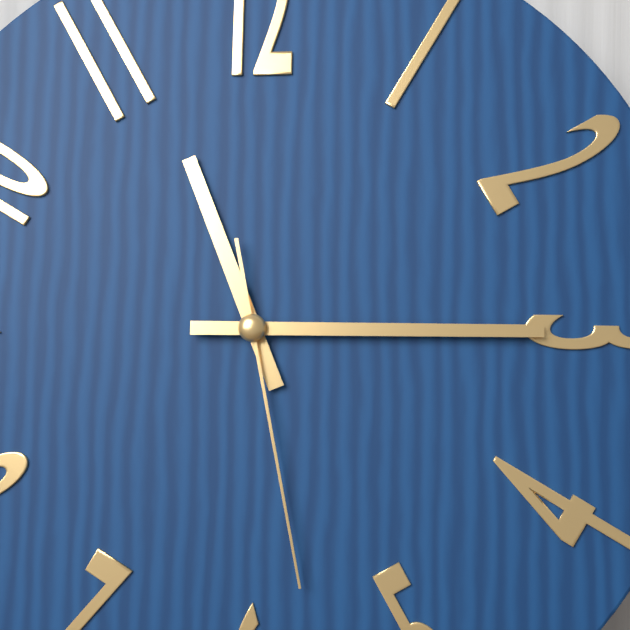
11,15,28
